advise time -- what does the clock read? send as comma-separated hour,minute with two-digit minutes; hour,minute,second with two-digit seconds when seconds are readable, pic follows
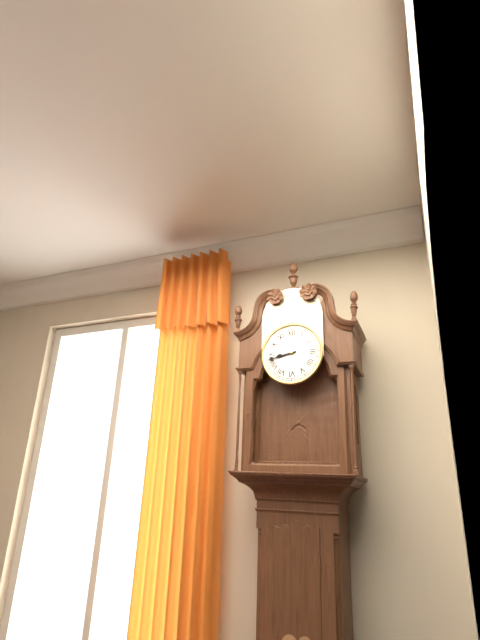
8,43
